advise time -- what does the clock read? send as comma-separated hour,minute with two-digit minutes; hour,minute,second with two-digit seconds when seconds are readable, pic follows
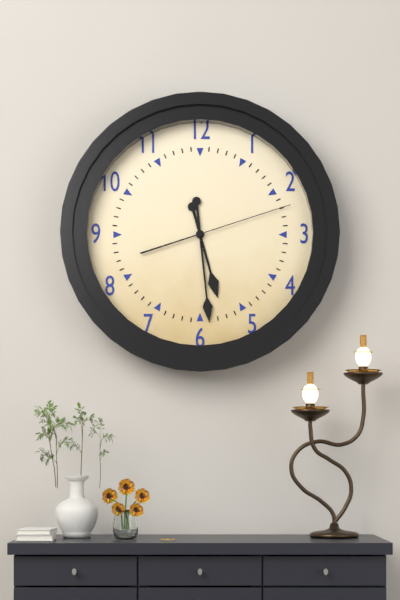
5,29,12
